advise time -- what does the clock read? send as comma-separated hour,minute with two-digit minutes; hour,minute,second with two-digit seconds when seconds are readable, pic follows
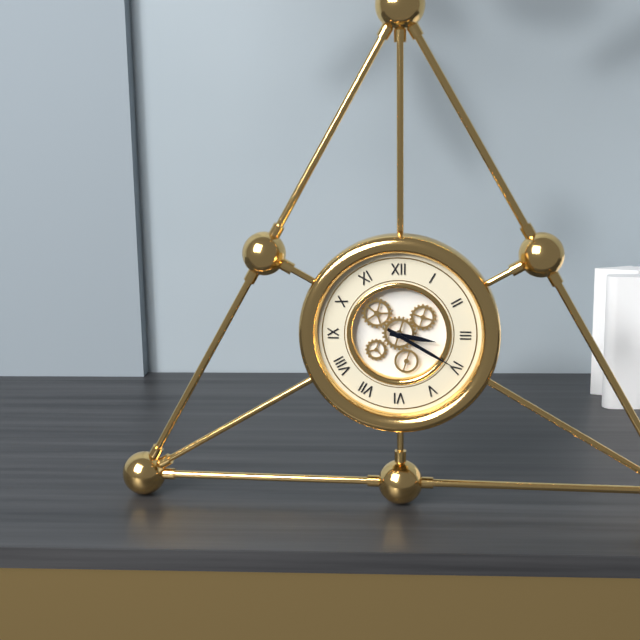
3,20
